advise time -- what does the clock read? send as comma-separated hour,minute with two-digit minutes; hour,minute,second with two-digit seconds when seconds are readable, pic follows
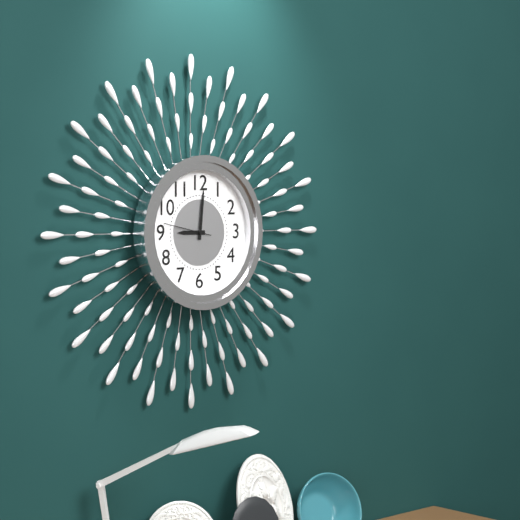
9,01
